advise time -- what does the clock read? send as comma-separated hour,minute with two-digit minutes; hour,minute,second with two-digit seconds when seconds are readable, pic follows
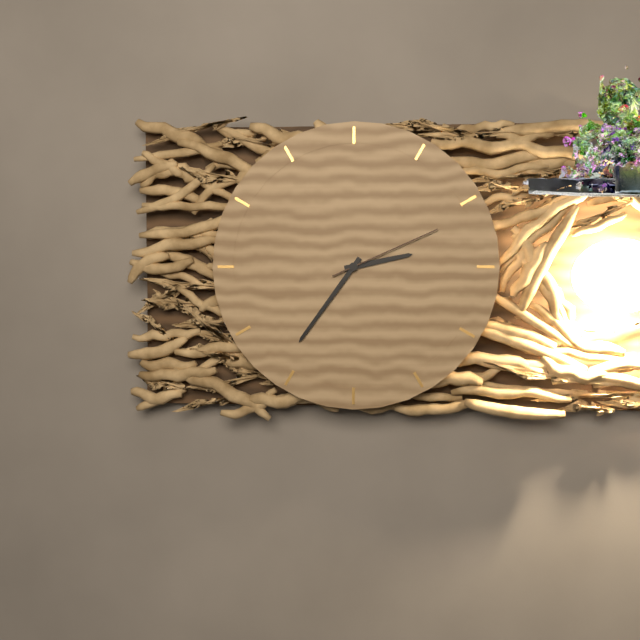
2,36,11
